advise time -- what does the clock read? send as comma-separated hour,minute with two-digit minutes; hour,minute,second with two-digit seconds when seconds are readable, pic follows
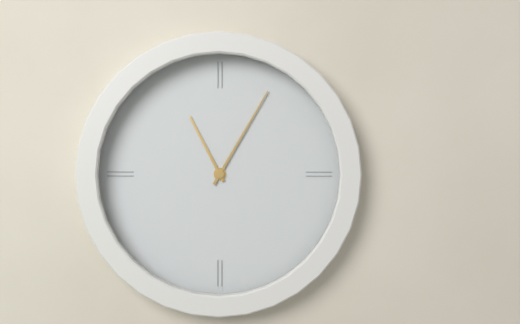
11,05
